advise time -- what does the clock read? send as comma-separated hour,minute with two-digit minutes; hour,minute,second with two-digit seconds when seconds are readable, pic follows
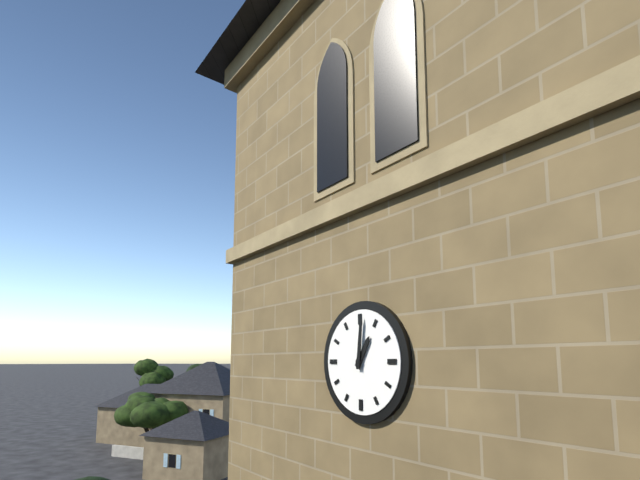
1,01
